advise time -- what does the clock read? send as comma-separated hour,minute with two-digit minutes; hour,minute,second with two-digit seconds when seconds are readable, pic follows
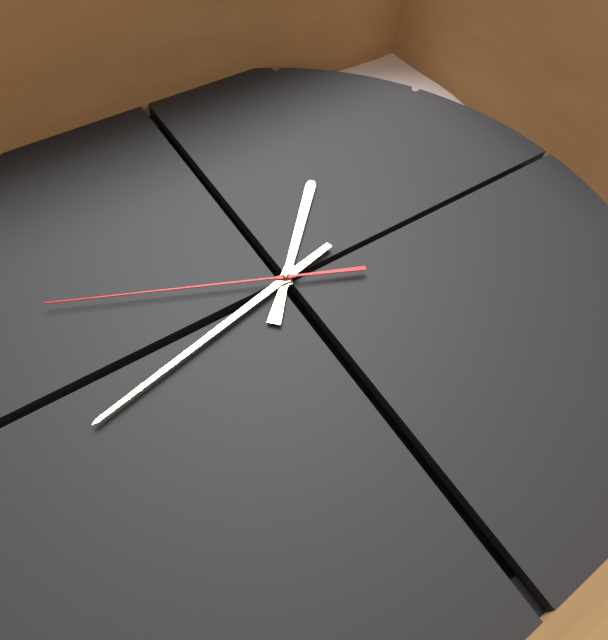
10,28,34
